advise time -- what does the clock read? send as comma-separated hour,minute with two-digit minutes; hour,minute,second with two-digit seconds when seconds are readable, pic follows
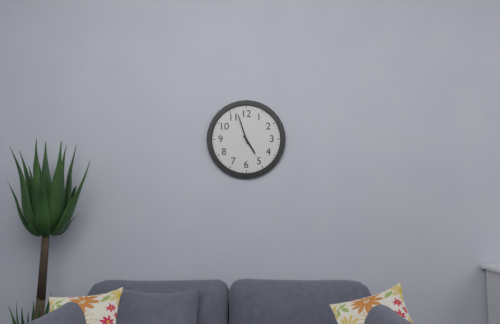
4,57
